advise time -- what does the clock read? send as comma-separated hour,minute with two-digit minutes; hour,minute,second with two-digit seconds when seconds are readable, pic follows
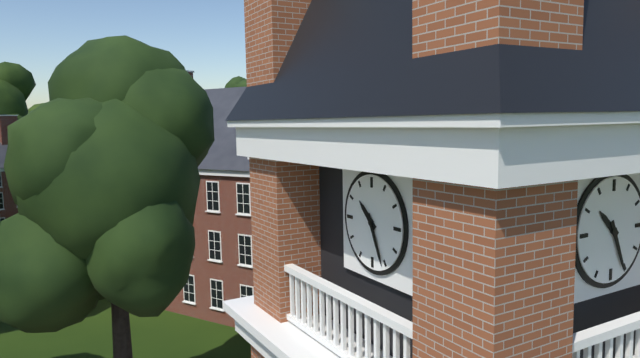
10,26
